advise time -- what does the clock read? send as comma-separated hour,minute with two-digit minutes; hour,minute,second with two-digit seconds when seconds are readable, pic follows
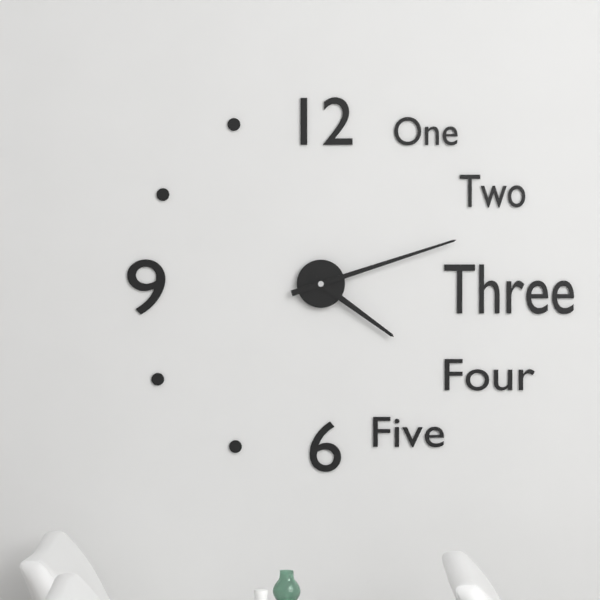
4,12
